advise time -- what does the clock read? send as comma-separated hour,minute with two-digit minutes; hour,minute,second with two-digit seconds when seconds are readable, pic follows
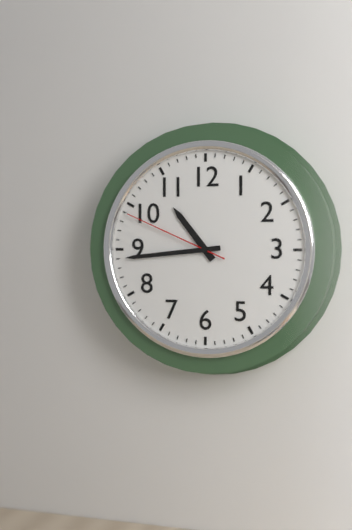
10,44,49
